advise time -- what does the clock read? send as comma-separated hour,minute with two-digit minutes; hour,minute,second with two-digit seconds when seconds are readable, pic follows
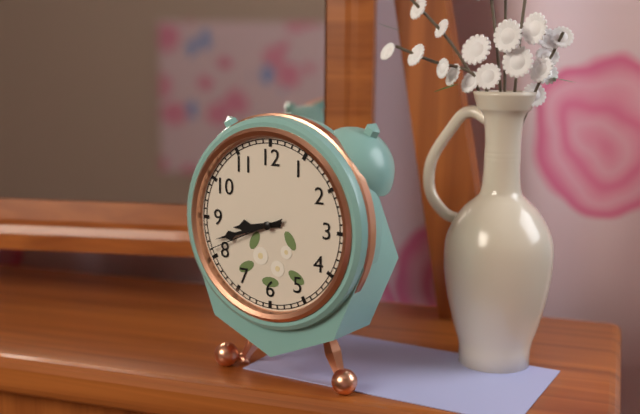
8,42,41
